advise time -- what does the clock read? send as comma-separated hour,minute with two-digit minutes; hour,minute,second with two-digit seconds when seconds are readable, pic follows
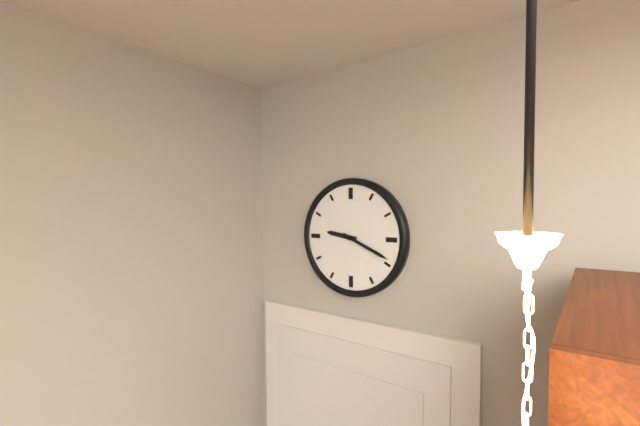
9,19
